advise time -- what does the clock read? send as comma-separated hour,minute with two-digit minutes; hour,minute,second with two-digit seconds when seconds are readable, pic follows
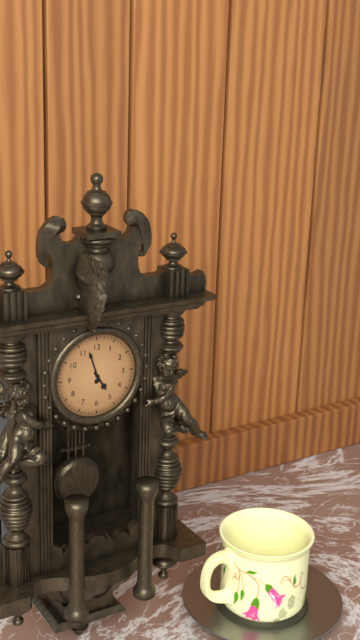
4,57
